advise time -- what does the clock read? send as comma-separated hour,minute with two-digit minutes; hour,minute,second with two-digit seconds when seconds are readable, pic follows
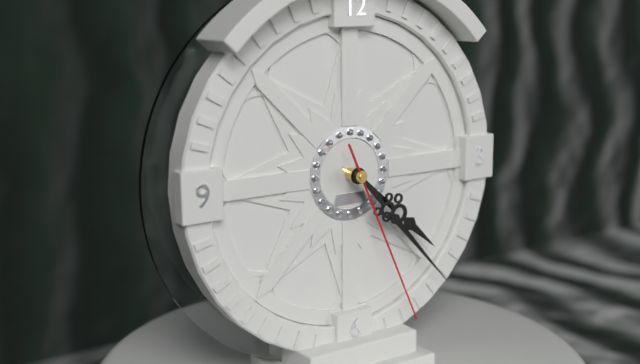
4,23,26
